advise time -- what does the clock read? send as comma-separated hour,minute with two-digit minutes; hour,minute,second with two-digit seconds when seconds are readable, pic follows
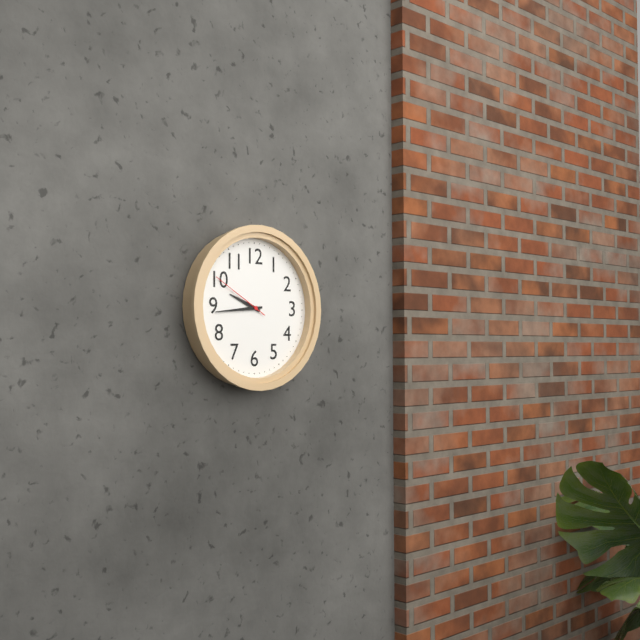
9,44,50
